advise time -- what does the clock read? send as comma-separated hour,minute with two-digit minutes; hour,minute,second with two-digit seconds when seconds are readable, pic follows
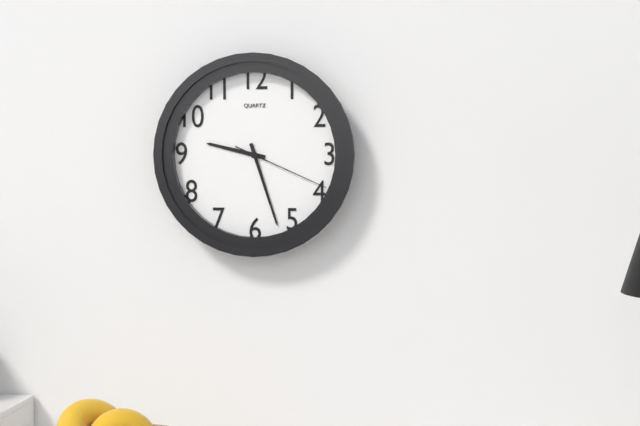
9,27,19
